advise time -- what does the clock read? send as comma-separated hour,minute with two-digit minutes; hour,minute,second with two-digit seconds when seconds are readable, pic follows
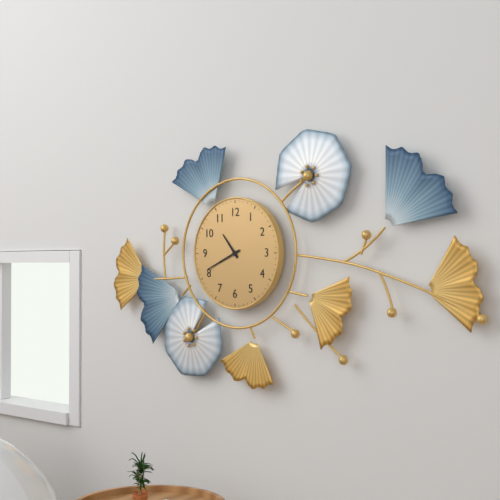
10,41
